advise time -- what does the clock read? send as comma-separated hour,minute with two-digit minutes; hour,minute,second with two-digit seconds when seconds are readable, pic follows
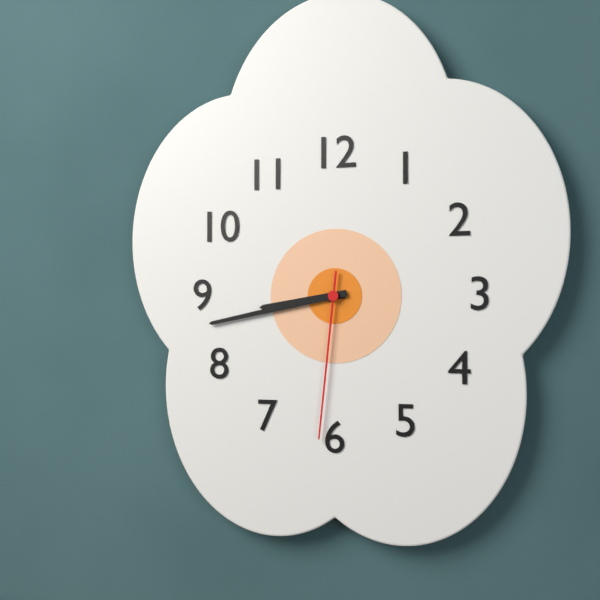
8,43,31
